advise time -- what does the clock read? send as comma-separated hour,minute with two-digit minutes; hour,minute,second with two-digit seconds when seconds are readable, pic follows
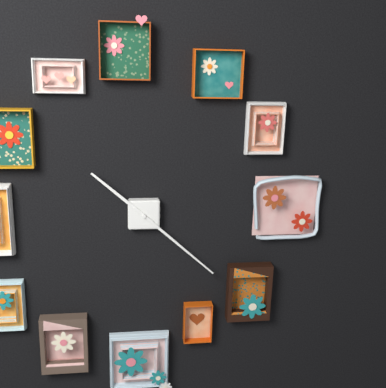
10,22
